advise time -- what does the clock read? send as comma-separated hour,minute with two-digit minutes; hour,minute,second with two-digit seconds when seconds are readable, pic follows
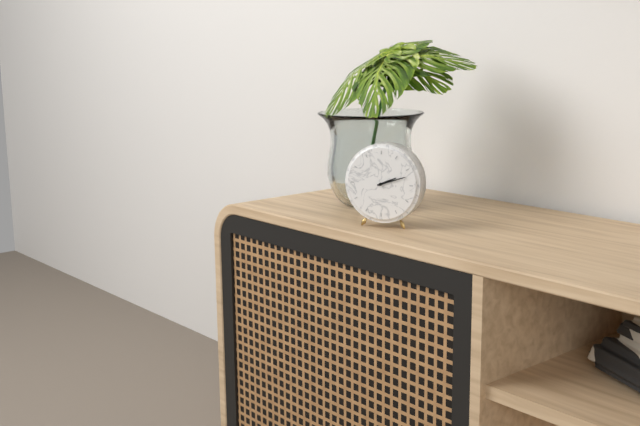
2,12
